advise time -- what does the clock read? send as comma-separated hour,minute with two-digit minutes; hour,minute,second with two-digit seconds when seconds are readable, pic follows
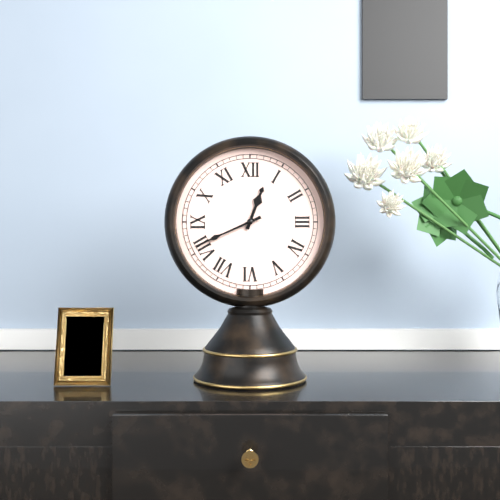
12,41
